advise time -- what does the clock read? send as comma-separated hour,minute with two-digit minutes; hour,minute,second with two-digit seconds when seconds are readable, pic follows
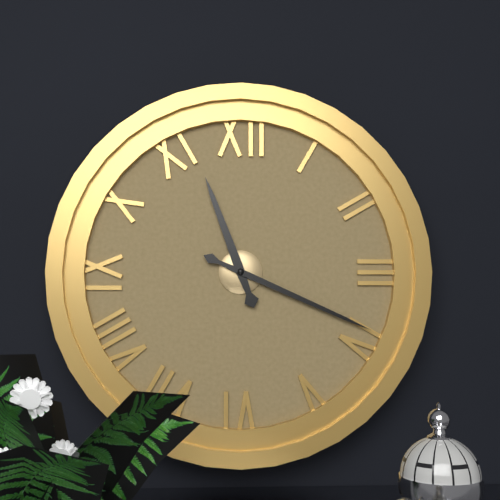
11,19
